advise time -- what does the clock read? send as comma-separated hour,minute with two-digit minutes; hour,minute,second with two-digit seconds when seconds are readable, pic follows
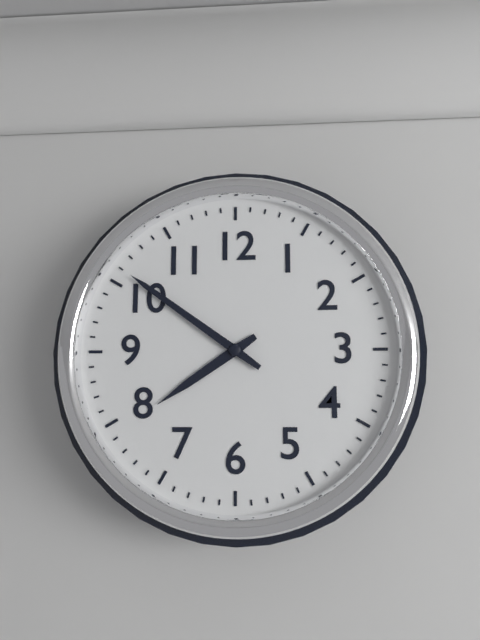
7,51
